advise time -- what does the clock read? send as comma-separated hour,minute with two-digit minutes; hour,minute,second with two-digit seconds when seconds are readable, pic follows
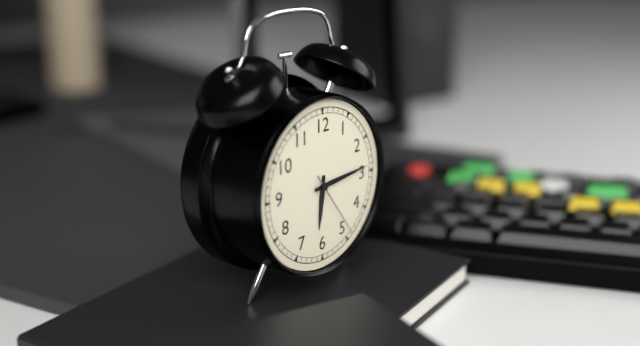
6,14,24
